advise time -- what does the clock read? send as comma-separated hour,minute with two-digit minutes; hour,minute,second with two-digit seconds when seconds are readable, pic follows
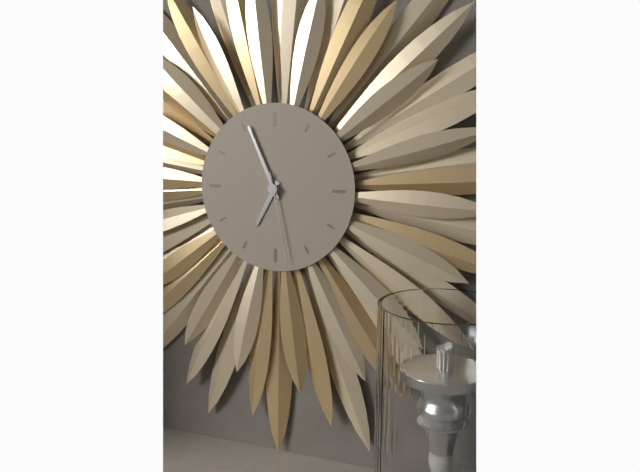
6,56,28
